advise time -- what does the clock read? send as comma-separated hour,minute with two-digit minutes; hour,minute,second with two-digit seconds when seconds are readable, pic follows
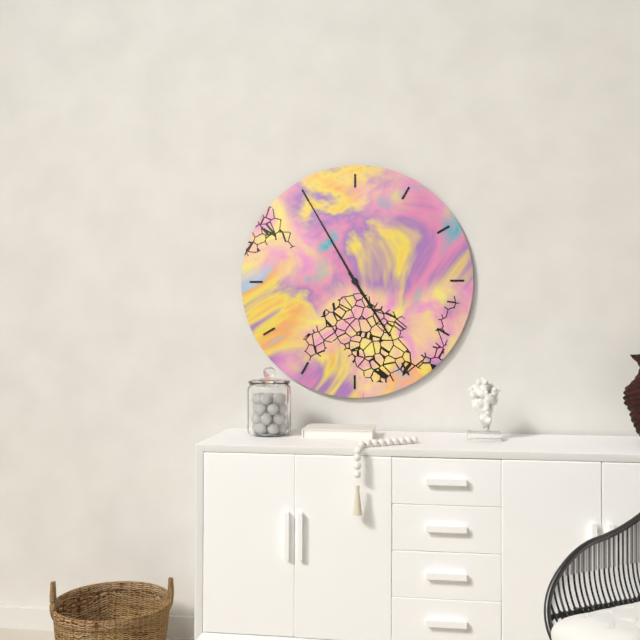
4,55
